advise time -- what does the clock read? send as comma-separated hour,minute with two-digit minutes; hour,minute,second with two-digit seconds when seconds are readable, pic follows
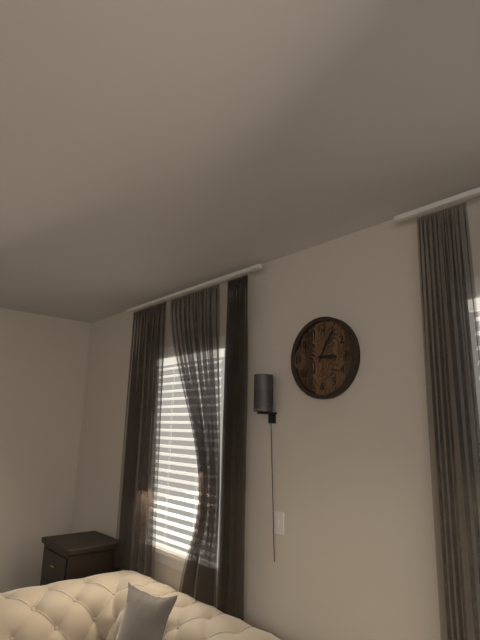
3,05
